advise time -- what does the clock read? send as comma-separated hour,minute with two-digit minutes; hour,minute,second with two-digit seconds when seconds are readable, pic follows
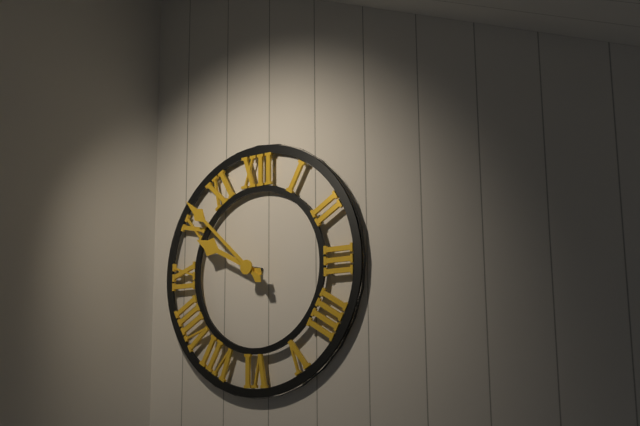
9,52
